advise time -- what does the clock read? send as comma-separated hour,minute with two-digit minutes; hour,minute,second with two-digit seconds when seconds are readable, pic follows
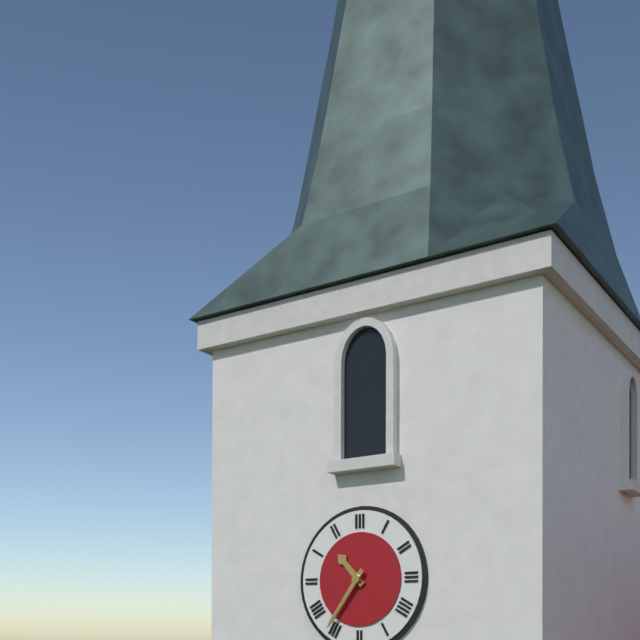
10,36
